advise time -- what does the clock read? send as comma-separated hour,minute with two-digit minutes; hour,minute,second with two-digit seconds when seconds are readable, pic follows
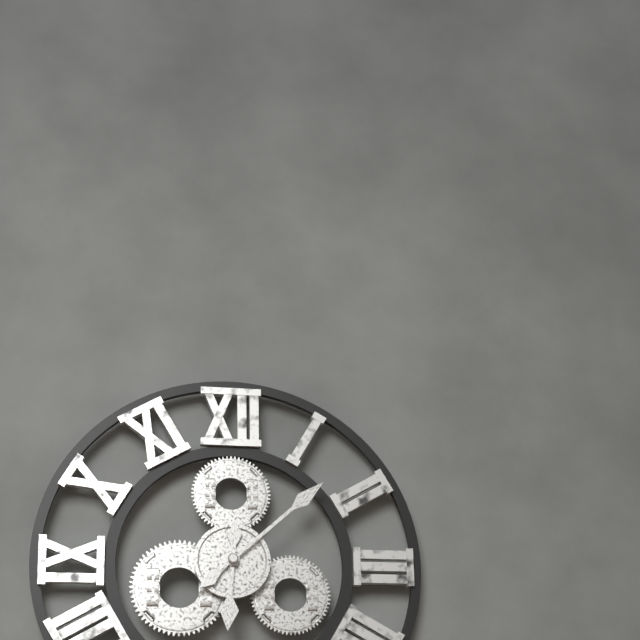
6,08
